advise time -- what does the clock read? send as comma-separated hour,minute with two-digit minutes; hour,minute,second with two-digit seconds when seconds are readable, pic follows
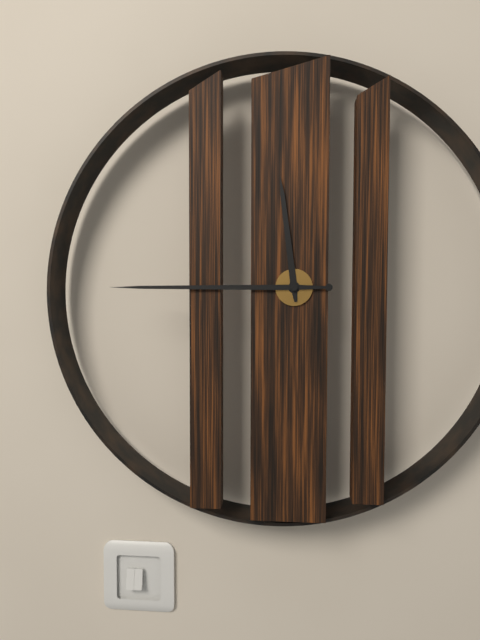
11,45
